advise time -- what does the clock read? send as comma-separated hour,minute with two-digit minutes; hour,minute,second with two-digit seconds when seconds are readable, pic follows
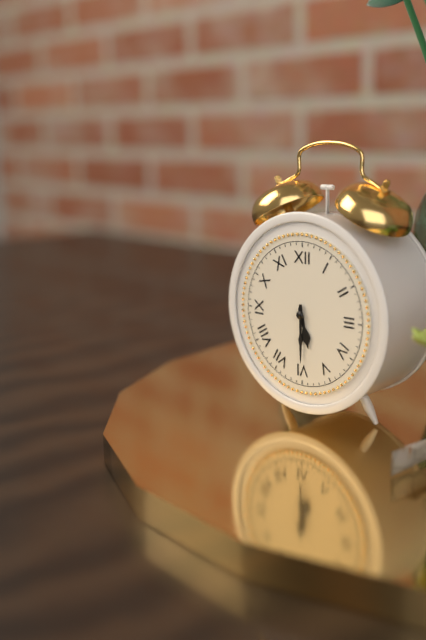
5,30
